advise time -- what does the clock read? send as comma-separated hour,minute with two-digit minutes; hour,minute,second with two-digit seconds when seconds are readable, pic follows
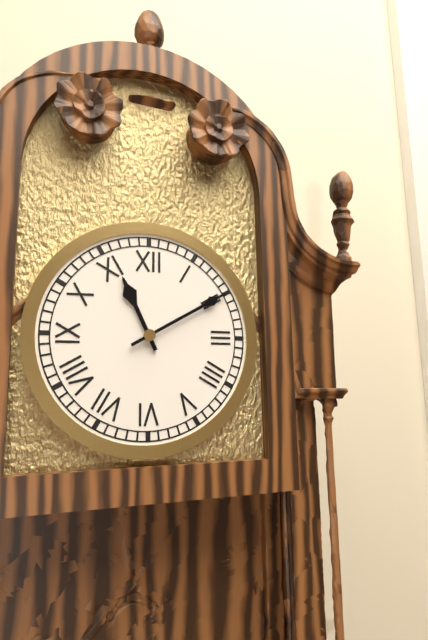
11,10
